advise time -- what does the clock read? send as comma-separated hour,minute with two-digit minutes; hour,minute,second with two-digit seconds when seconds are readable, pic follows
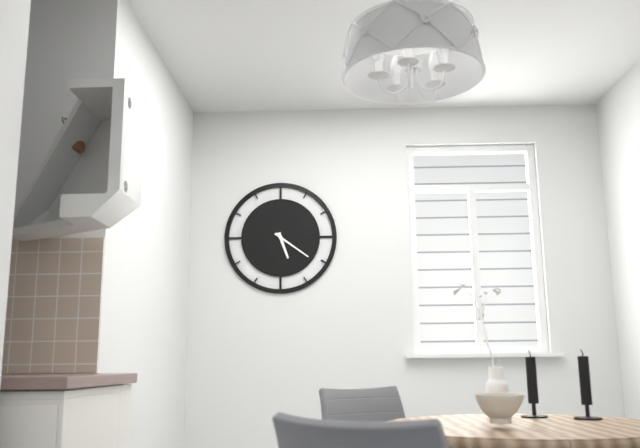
5,21
